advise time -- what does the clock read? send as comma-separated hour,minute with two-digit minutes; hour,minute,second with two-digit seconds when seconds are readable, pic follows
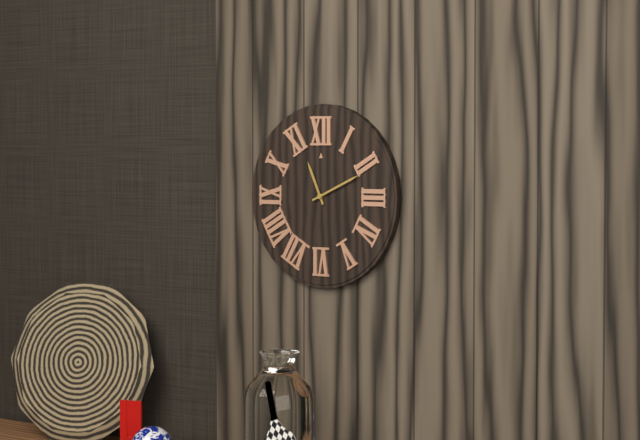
11,11
